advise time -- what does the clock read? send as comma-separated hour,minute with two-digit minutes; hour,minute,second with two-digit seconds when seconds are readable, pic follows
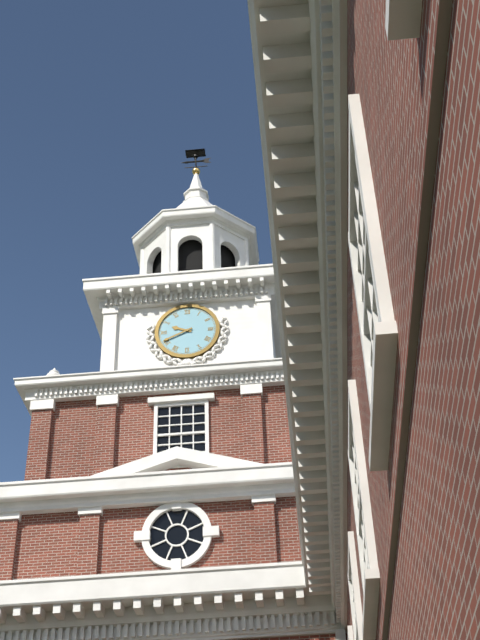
9,41
